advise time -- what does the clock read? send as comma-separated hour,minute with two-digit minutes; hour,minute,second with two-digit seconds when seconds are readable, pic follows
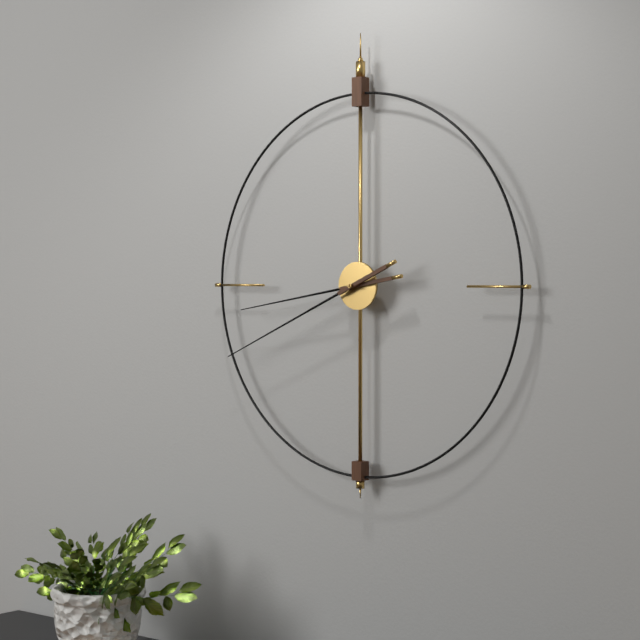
8,41
